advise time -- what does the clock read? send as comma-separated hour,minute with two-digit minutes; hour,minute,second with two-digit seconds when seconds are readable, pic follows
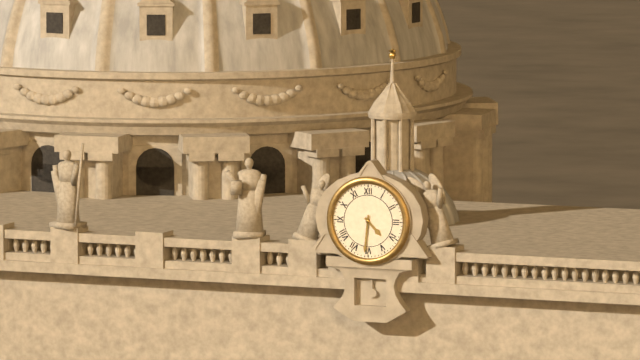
4,31
